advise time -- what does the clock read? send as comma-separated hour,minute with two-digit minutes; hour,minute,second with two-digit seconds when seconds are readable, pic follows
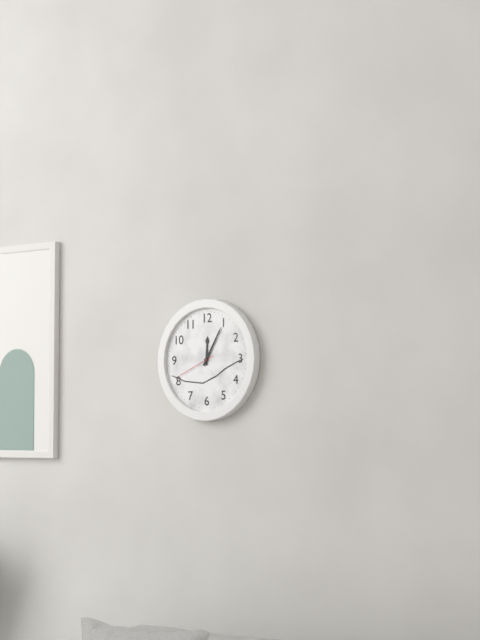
12,05
